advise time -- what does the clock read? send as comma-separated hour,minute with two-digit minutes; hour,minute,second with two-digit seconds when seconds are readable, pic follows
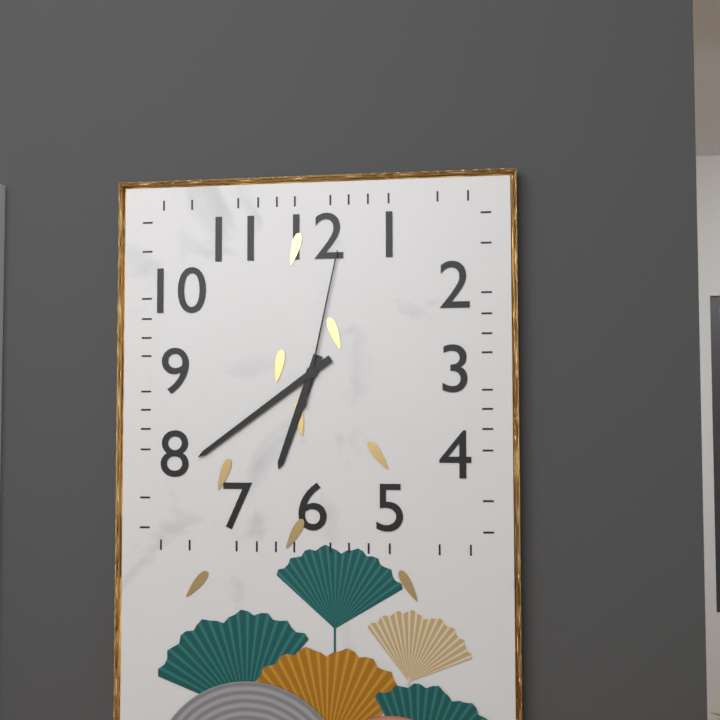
6,39,02
